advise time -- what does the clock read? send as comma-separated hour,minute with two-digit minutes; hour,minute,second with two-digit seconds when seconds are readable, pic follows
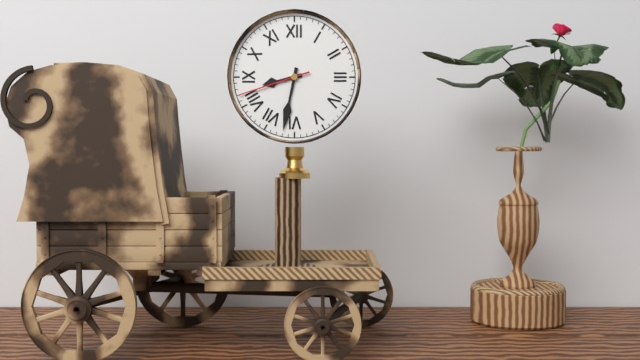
8,32,42
